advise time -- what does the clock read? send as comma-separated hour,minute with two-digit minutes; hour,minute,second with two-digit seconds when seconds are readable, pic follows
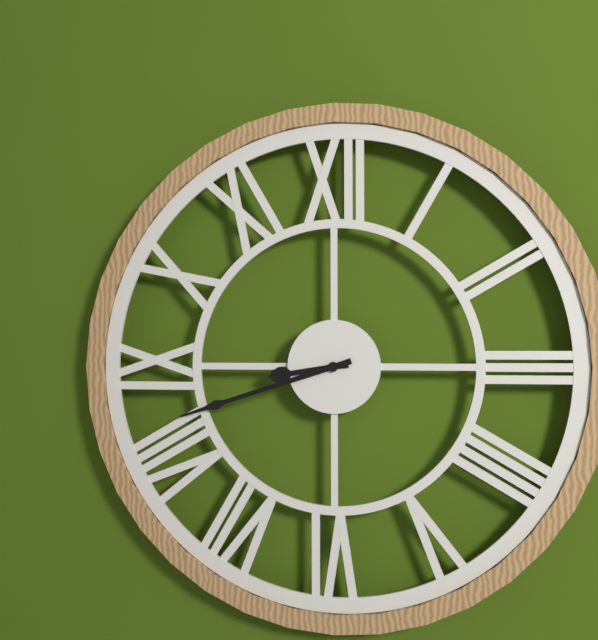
8,42
